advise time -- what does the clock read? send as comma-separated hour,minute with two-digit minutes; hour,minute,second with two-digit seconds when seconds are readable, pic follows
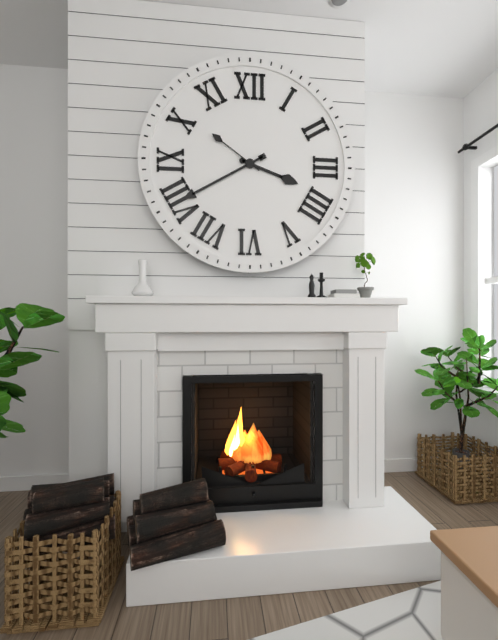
3,40,51
